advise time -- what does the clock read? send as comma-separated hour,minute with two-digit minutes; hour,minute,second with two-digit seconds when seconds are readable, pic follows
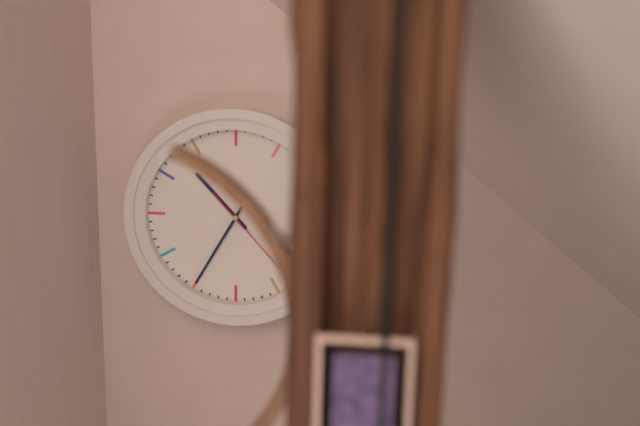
10,35
